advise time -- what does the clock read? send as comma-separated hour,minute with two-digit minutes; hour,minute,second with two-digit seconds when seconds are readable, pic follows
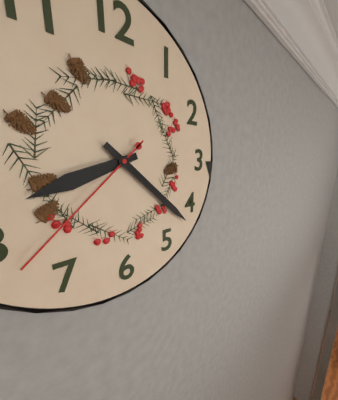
8,22,38
